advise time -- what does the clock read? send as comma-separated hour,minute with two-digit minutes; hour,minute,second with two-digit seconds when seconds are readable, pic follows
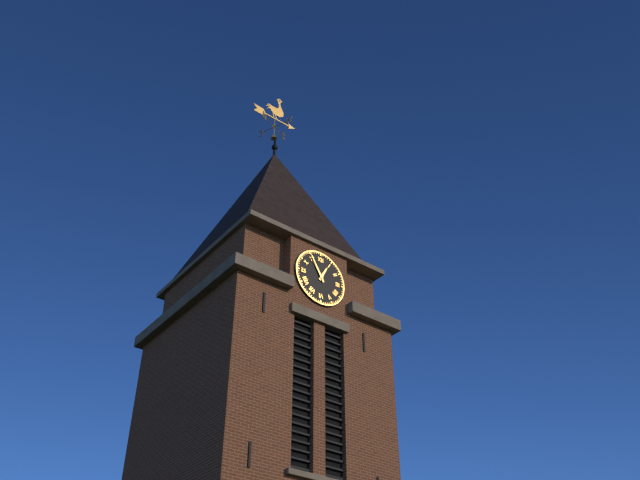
12,55
